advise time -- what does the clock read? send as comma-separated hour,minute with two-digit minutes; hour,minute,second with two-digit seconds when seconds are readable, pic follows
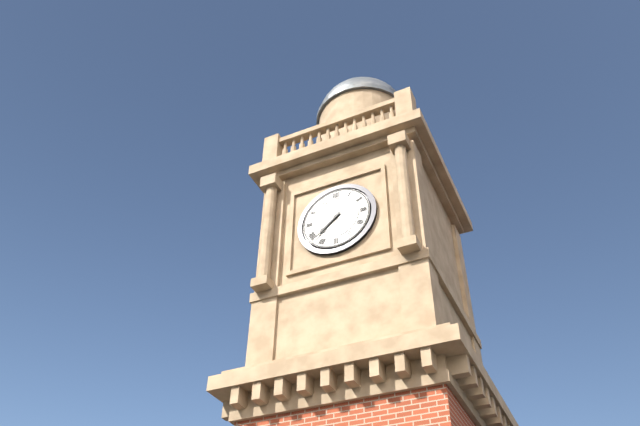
7,38
